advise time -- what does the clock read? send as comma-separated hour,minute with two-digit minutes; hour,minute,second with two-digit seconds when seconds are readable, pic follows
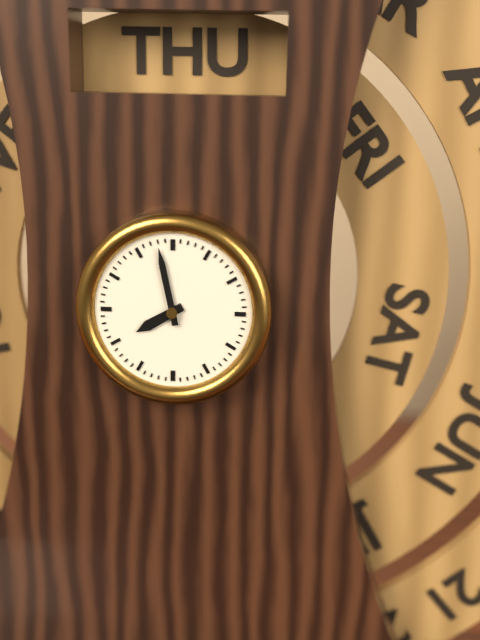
7,58
